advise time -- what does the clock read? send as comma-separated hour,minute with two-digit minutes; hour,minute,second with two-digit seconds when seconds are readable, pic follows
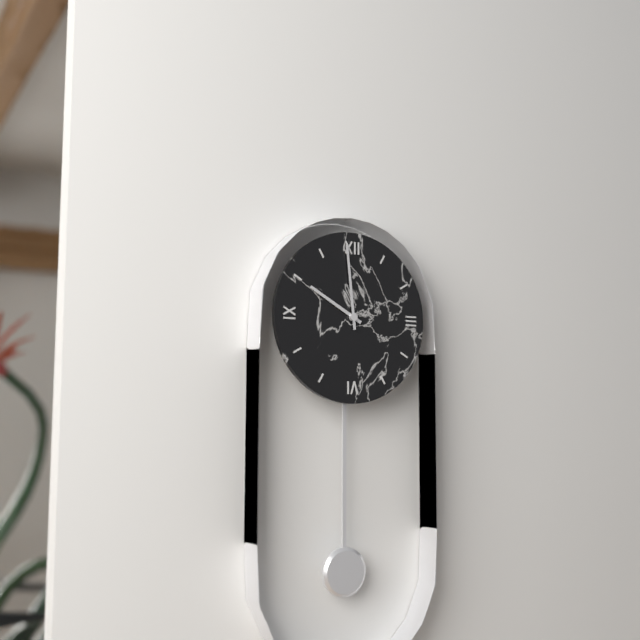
9,59
